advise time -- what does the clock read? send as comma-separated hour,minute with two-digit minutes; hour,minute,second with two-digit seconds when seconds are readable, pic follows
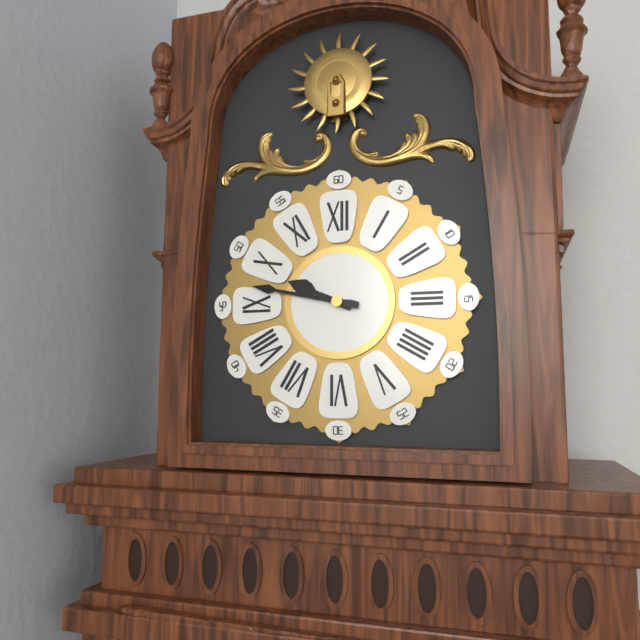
9,47
